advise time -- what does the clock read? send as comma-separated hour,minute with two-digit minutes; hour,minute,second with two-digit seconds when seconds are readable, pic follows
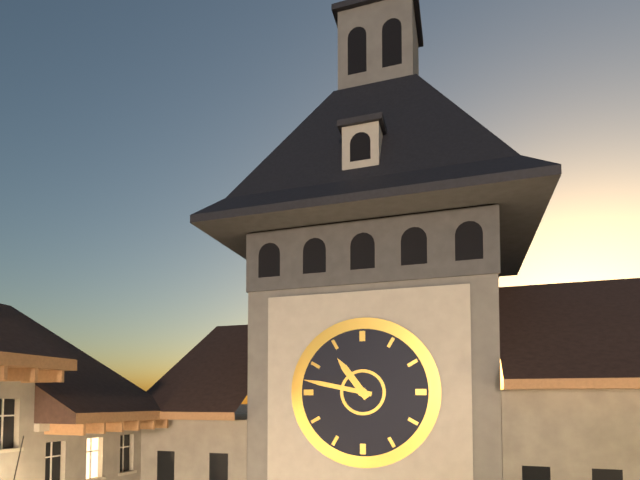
10,47
